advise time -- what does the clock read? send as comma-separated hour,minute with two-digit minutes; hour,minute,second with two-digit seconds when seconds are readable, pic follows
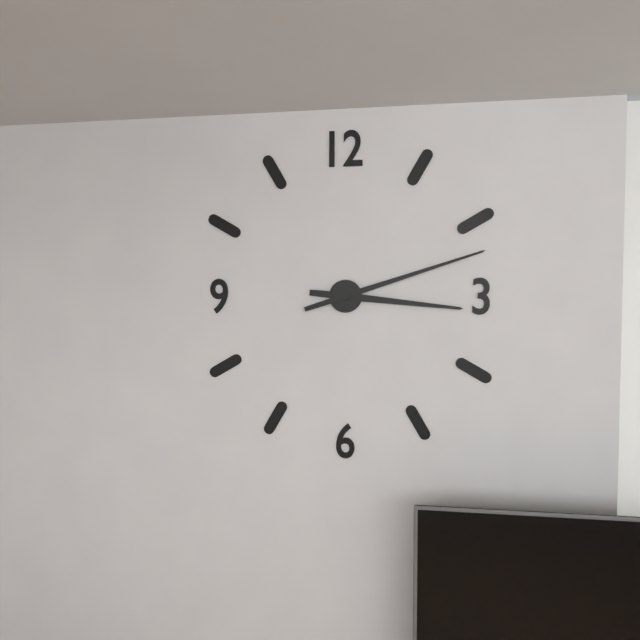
3,12
